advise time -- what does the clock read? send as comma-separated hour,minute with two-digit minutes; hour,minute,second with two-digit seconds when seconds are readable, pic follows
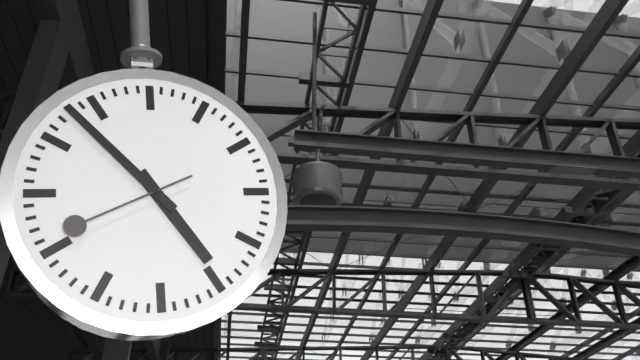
4,53,41
